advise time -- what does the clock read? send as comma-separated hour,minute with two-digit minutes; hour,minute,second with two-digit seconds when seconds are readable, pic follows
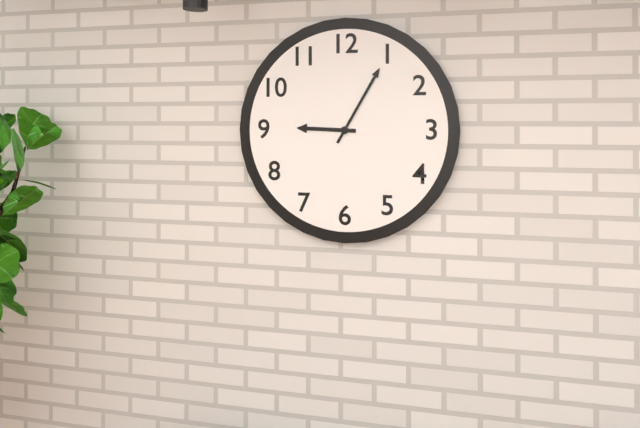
9,05
